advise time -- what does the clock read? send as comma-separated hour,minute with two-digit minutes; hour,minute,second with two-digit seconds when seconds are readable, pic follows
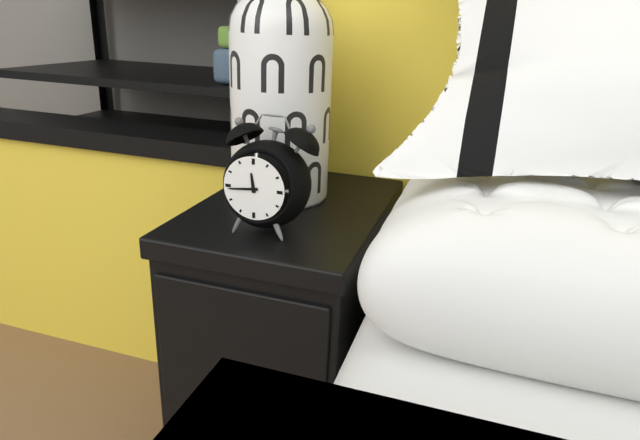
11,44
